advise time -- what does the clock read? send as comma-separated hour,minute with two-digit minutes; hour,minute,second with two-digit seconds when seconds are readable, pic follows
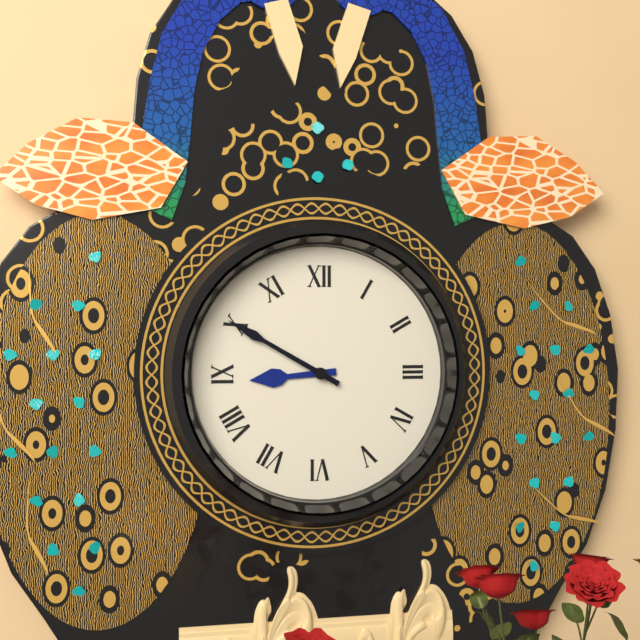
8,50
